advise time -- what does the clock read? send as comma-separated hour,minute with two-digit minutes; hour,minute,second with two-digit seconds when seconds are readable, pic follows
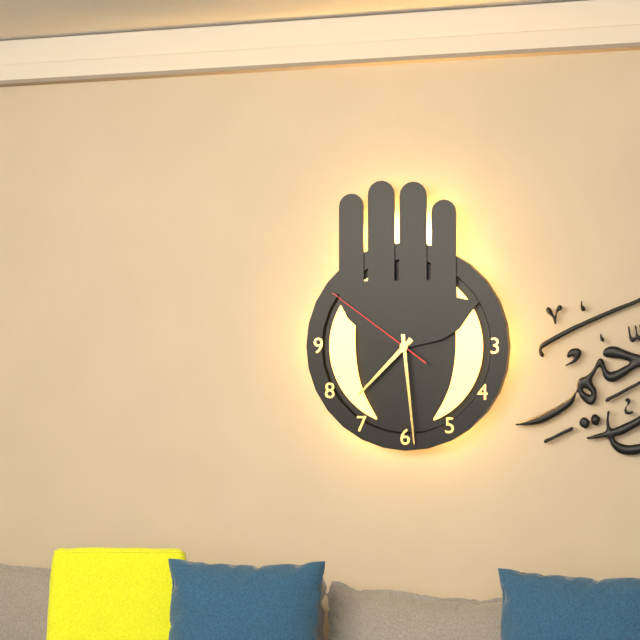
7,29,51
